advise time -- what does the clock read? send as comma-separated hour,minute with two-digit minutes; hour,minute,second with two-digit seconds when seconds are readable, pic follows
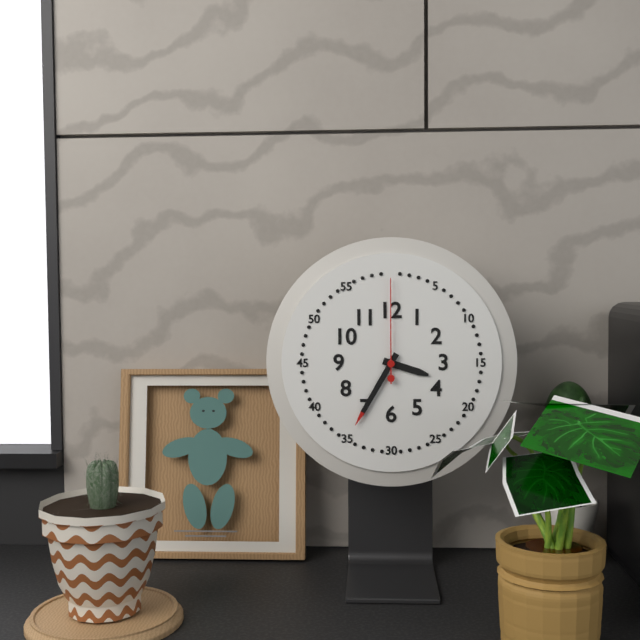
3,35,00
